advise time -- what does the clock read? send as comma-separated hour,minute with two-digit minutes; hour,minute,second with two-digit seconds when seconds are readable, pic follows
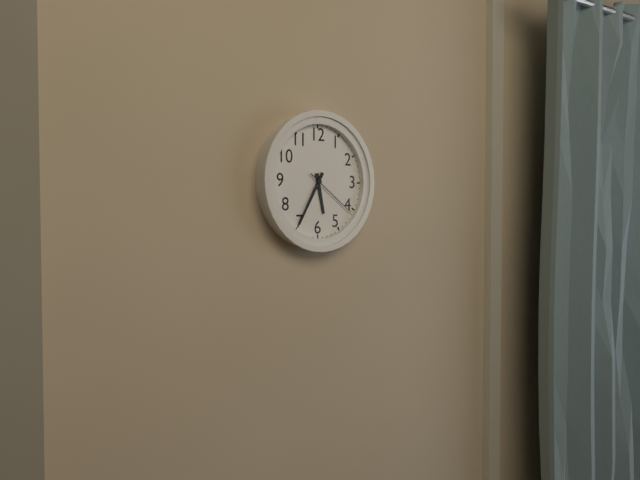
5,35,21
